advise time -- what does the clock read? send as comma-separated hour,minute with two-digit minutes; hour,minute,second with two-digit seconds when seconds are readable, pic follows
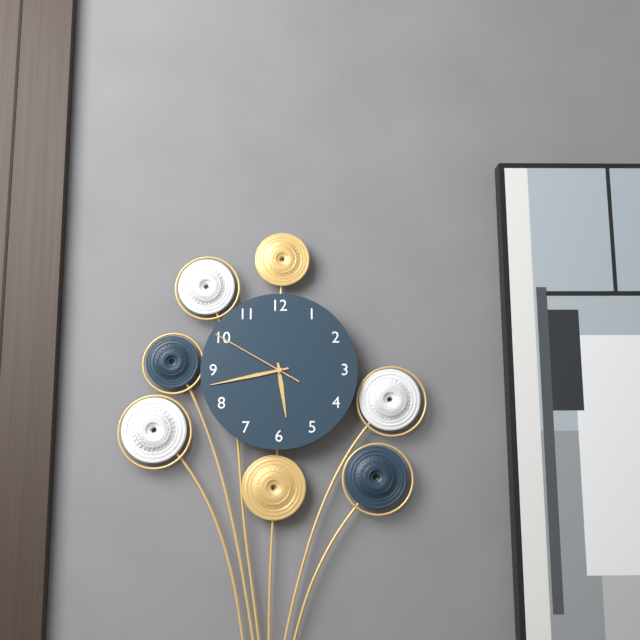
5,43,50
